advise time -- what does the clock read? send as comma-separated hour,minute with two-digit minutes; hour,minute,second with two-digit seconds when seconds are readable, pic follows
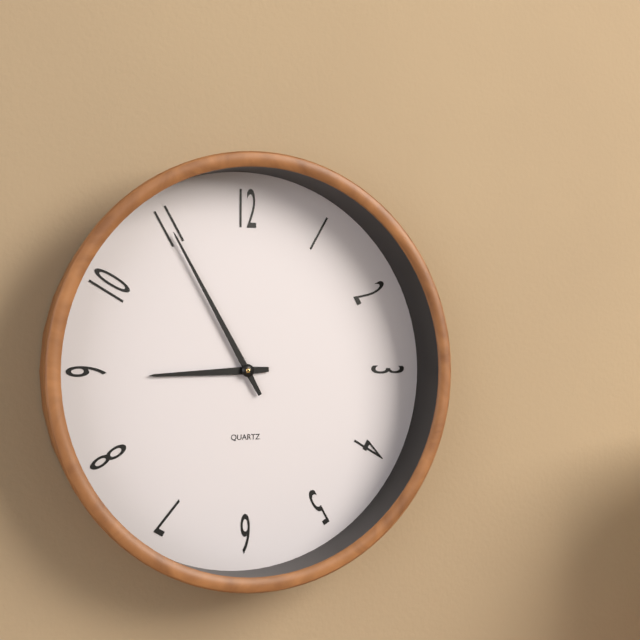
8,55
